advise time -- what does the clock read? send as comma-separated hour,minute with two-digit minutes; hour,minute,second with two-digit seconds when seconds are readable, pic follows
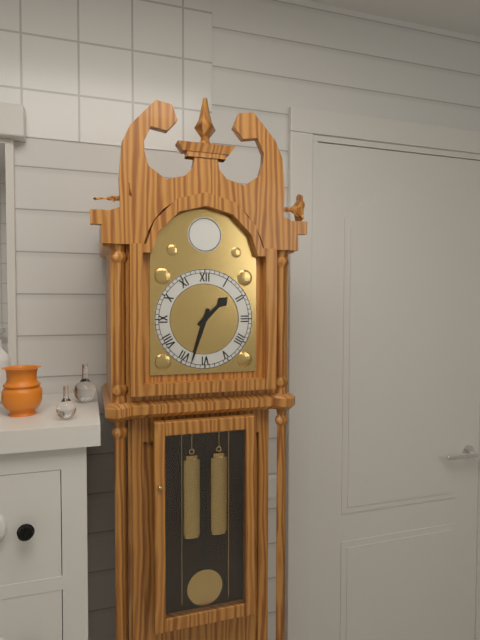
1,33
